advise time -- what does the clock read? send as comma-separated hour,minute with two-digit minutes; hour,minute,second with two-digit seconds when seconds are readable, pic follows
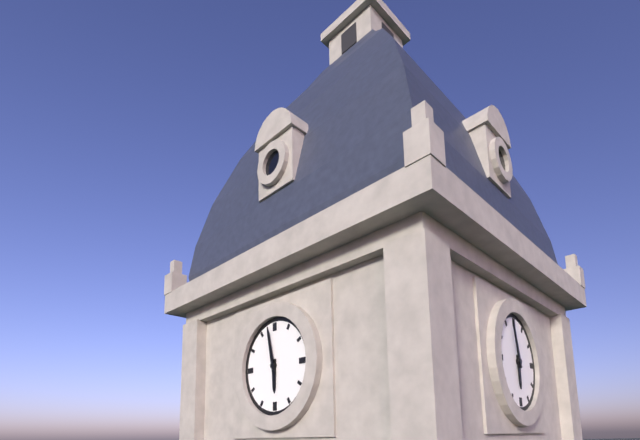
5,58
